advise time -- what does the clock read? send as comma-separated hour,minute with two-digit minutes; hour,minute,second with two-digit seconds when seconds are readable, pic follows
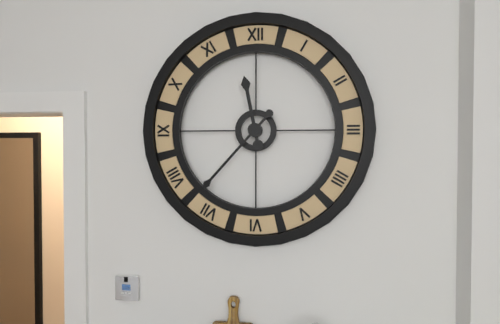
11,37
